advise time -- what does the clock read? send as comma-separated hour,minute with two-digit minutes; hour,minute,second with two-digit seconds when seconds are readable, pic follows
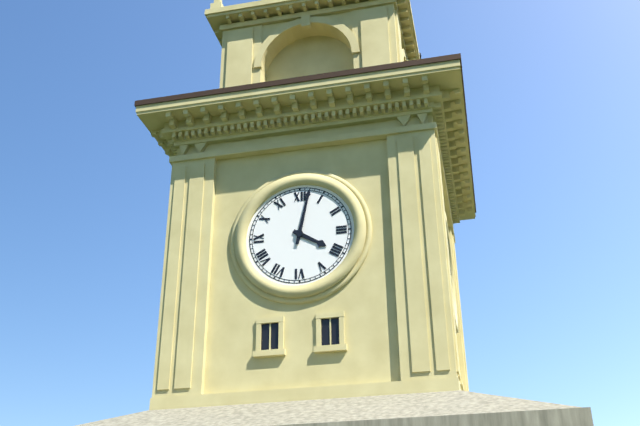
4,02
